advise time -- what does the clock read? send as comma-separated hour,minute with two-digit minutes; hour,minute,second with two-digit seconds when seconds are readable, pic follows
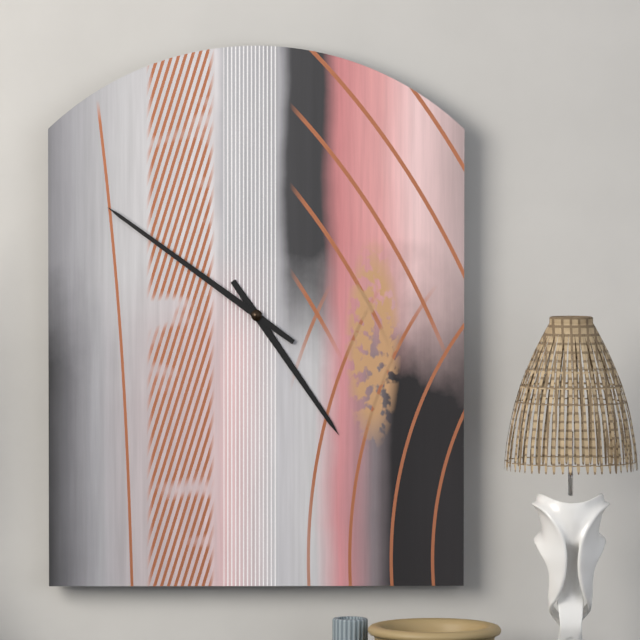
4,51
